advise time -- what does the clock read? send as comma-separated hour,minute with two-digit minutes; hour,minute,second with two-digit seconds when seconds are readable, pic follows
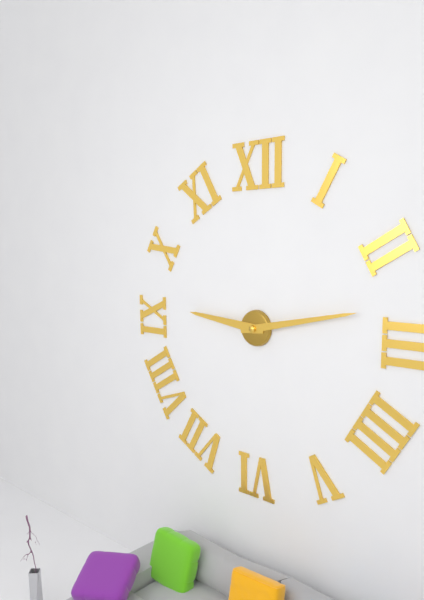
9,13
